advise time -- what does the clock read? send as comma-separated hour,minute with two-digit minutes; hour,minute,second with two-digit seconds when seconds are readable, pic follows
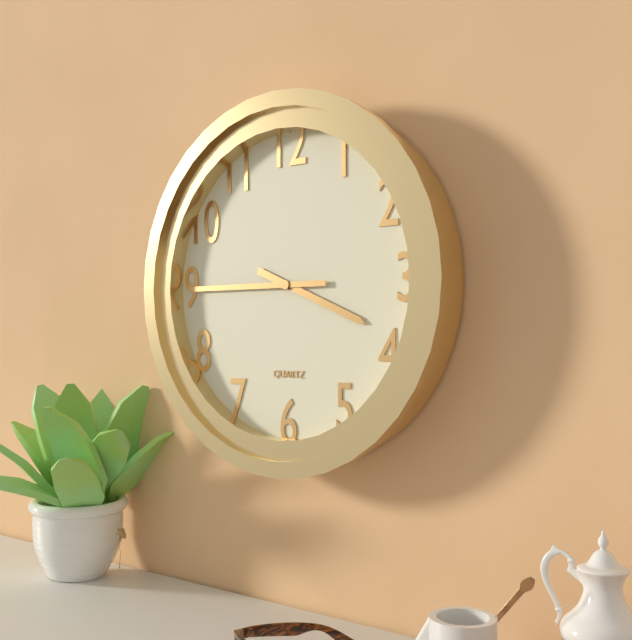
3,45
